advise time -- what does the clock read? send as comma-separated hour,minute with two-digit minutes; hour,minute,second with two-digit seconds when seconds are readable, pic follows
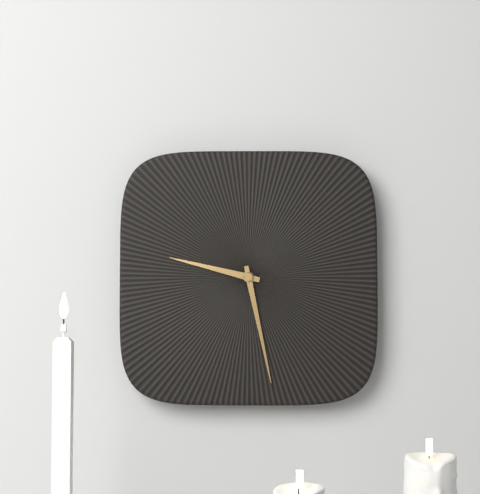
9,28
